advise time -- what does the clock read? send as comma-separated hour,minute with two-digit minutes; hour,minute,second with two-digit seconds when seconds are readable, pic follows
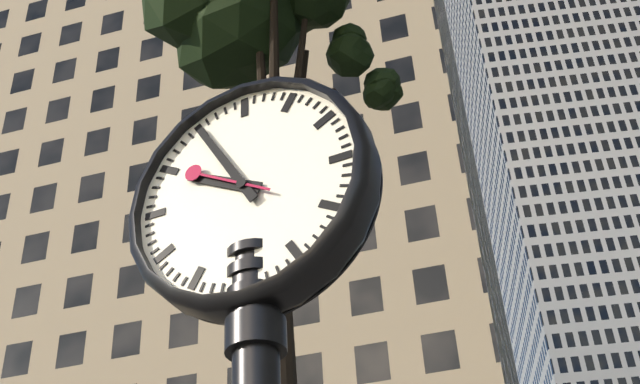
9,55,50
